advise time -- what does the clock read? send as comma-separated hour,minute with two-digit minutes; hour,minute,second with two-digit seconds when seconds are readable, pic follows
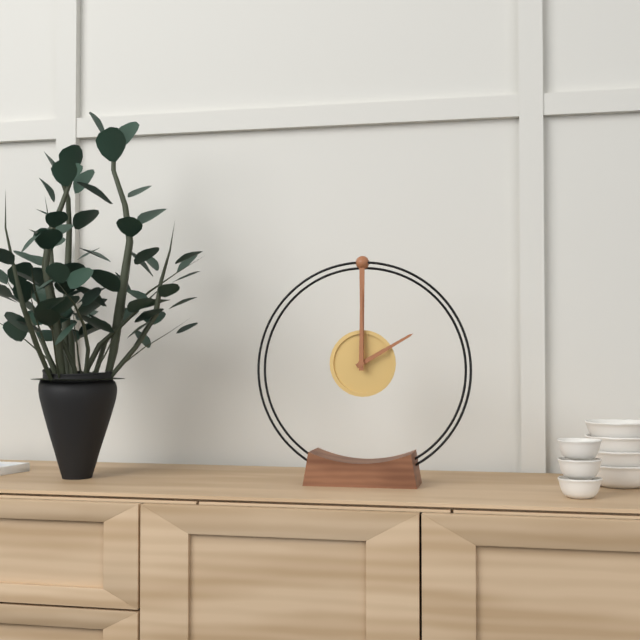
2,00
